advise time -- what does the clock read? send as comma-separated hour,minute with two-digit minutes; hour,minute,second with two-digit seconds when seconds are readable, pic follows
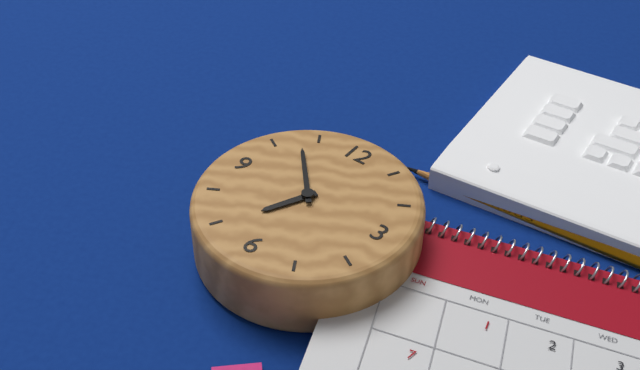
6,53
